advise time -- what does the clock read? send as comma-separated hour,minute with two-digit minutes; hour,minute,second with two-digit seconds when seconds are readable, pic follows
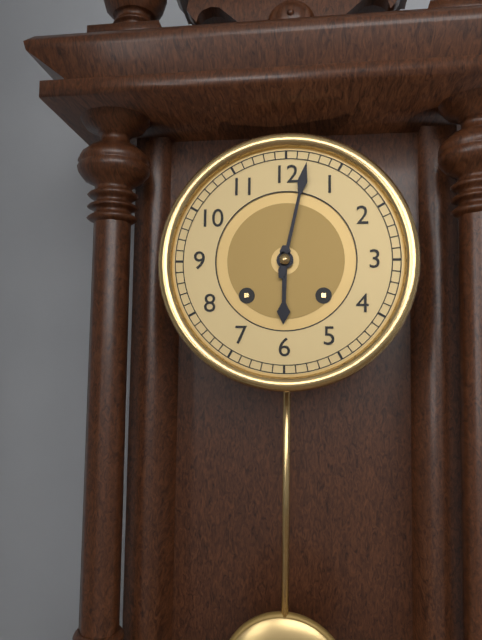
6,02
